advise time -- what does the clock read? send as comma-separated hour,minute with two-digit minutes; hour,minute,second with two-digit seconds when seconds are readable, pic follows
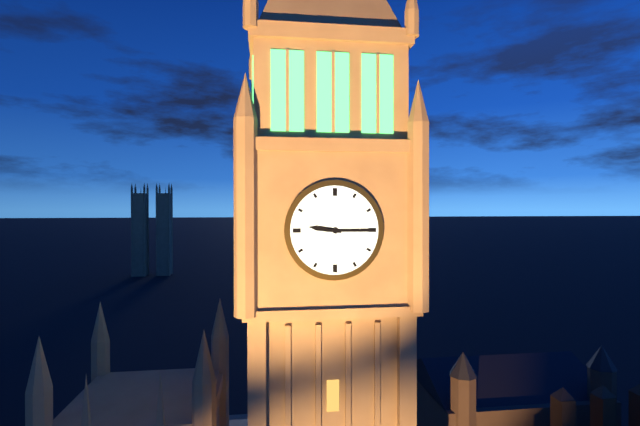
9,15
